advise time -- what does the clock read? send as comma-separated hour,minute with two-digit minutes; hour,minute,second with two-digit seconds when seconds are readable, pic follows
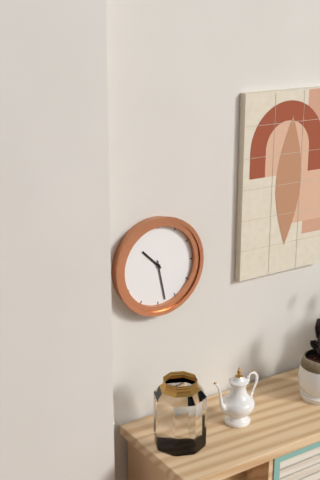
10,28
